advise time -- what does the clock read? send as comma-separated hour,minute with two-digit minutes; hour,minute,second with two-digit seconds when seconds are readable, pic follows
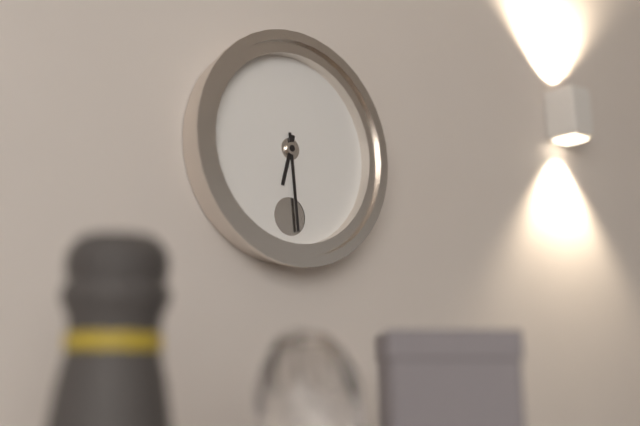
6,29
